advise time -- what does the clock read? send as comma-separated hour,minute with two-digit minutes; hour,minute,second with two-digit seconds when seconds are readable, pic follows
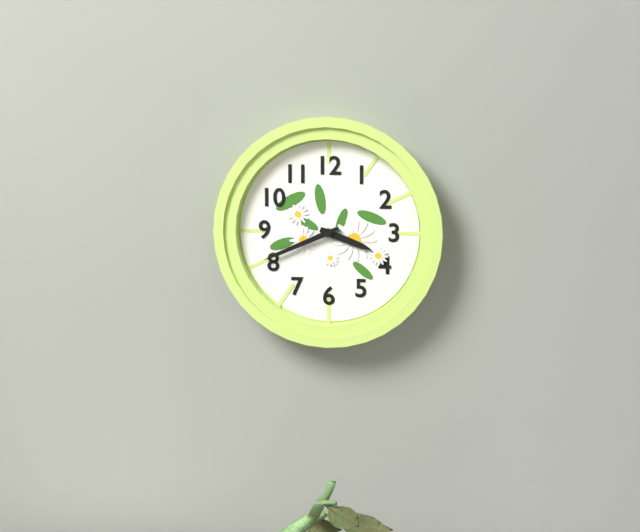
3,41
